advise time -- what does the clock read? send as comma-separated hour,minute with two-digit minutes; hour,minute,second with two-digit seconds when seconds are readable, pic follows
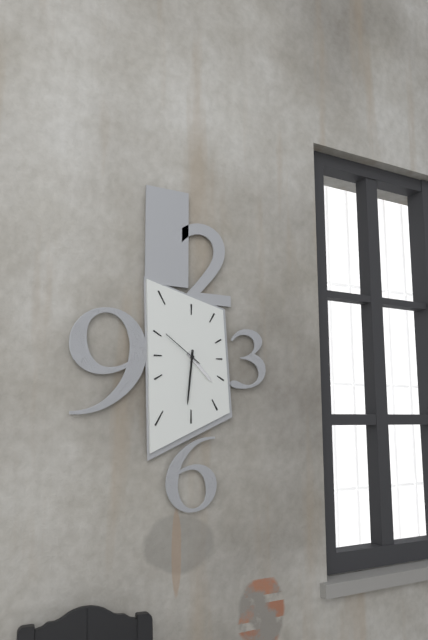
4,31
